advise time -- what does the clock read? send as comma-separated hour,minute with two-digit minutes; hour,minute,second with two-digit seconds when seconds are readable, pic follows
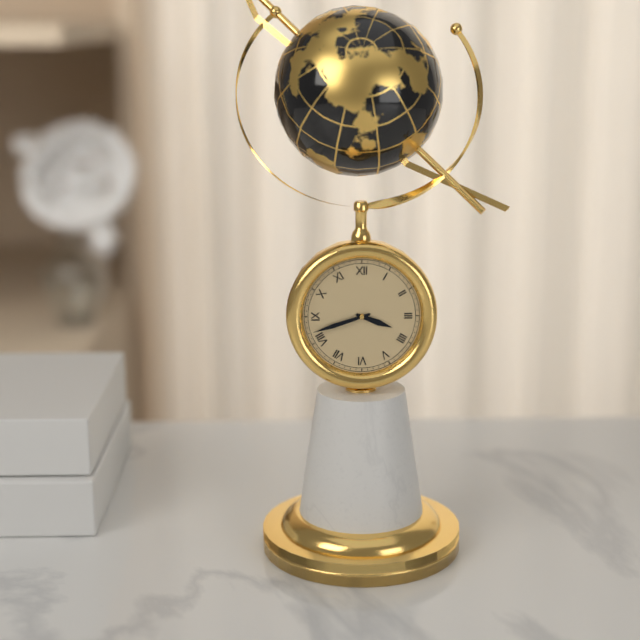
3,42
